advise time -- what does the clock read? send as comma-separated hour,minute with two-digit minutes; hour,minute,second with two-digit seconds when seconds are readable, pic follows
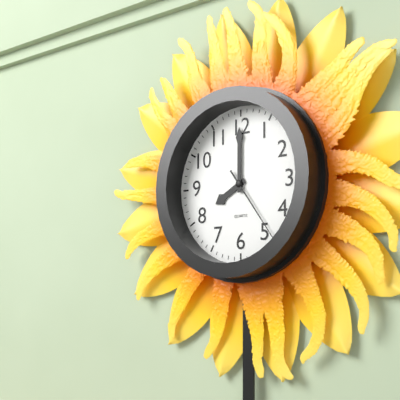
8,00,24
